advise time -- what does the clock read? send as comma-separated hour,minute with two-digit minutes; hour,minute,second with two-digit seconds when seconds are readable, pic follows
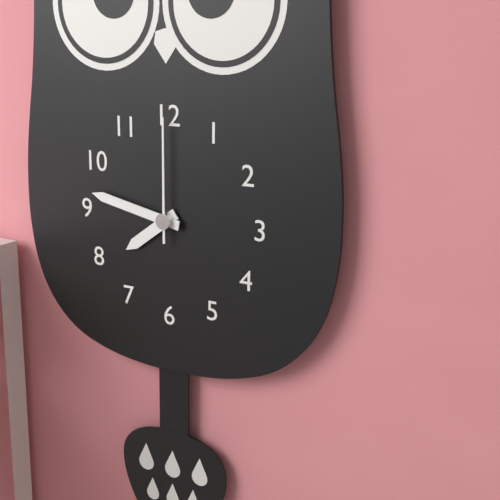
7,47,00
